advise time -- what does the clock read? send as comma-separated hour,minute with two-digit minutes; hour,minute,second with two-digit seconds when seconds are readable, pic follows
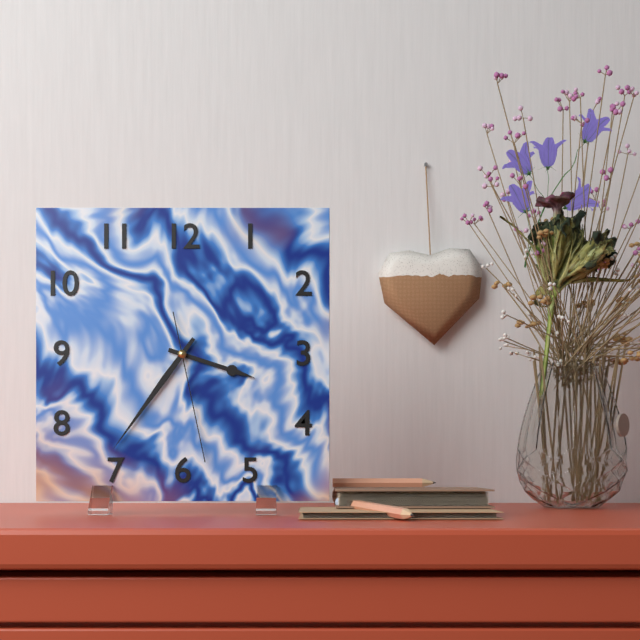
3,36,28
